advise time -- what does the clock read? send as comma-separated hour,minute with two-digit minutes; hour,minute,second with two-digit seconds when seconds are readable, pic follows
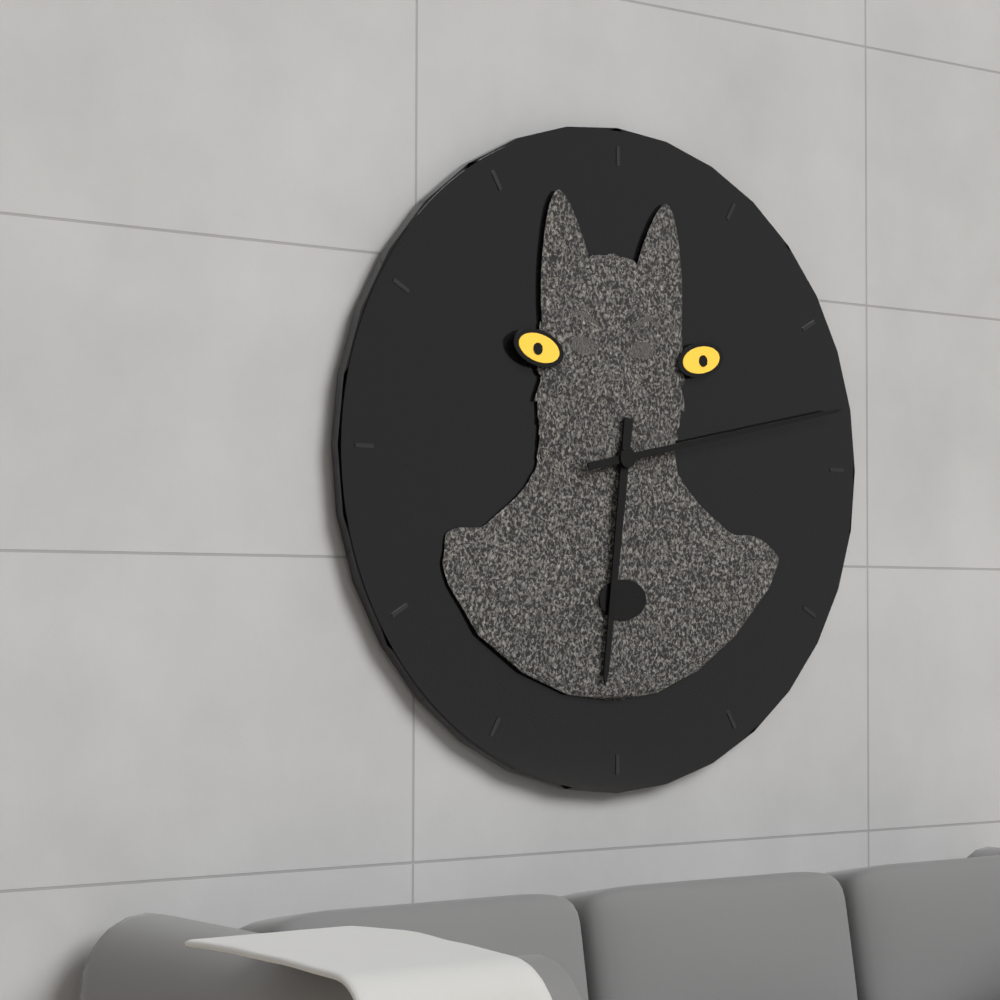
6,13
